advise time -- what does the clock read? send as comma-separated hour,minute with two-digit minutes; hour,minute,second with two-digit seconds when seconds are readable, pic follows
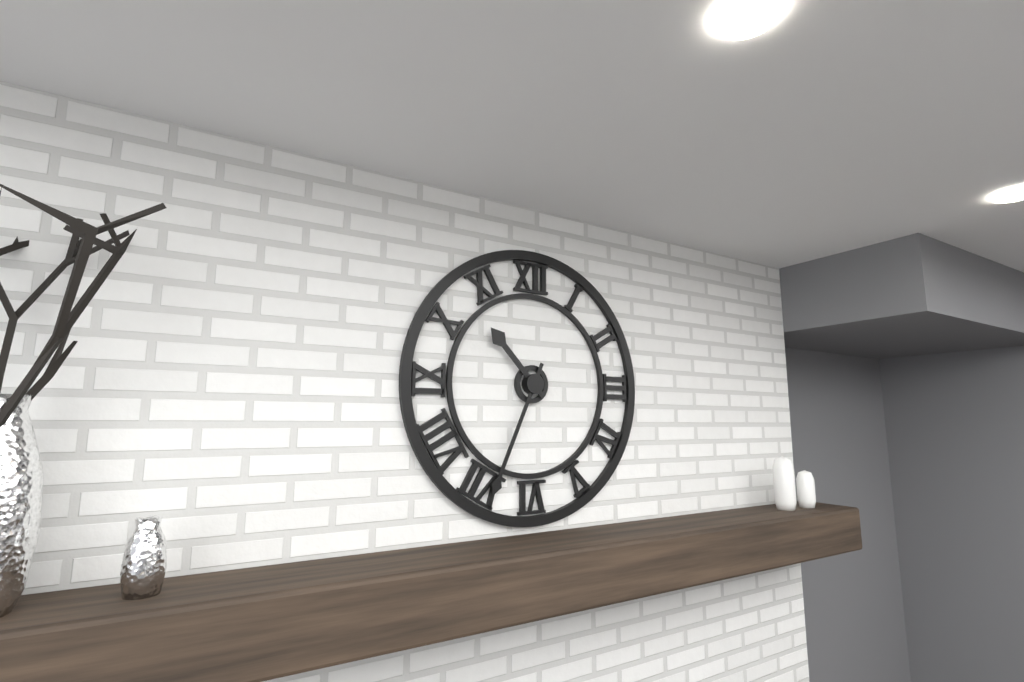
10,34
